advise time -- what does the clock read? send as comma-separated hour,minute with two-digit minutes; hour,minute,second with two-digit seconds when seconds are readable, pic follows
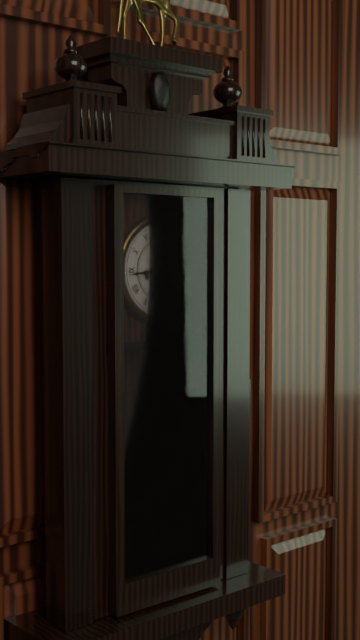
8,44
